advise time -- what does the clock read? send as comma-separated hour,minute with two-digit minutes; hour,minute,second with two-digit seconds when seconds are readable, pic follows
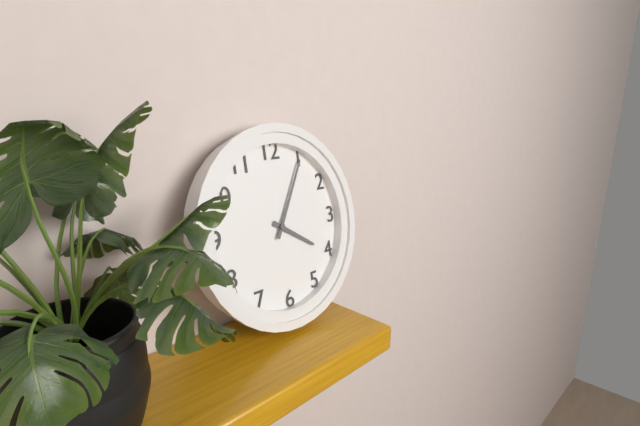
4,05
